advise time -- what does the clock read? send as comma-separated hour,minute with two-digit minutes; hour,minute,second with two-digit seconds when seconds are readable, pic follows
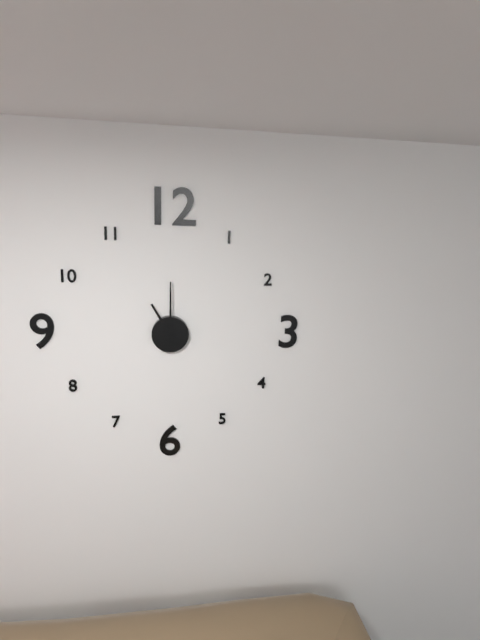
11,00
